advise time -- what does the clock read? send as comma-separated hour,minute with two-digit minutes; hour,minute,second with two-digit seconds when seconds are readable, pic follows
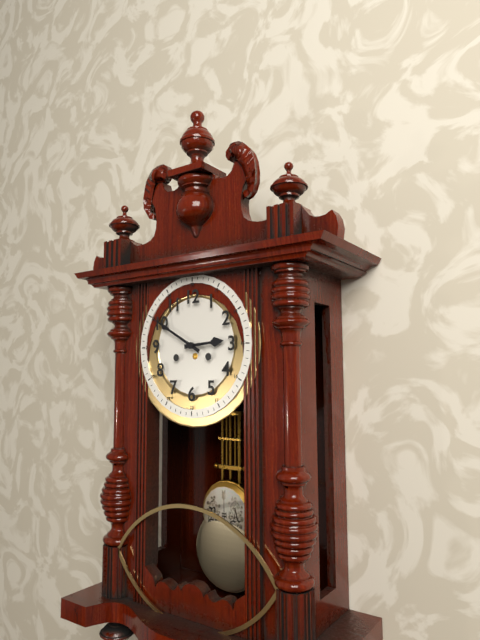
2,50
